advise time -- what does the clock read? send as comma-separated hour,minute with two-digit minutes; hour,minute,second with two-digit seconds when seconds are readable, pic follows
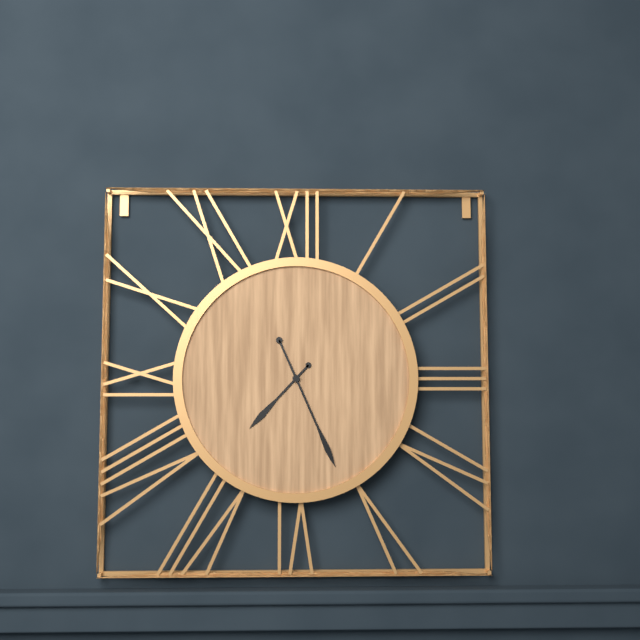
7,26
